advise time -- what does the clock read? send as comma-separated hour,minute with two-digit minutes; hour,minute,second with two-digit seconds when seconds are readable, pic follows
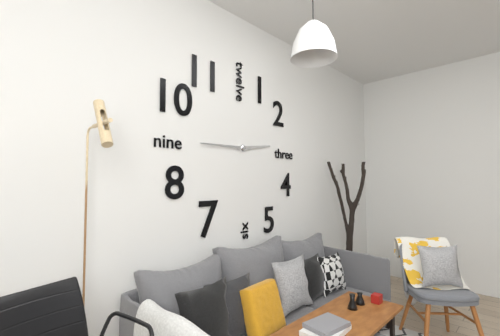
2,45
